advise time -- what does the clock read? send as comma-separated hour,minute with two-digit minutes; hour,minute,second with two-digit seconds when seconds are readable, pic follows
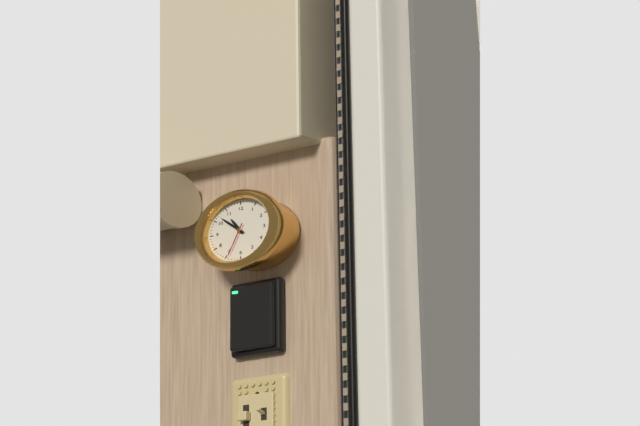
10,52
